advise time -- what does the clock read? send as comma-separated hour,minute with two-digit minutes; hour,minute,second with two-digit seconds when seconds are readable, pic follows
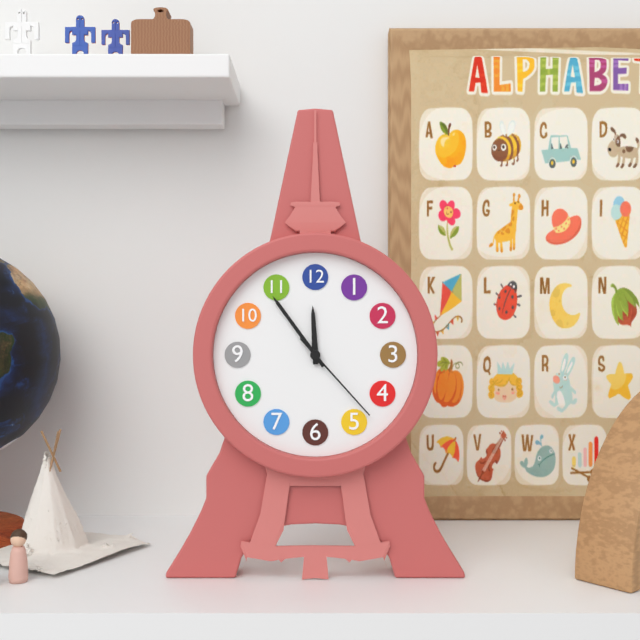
11,54,23
